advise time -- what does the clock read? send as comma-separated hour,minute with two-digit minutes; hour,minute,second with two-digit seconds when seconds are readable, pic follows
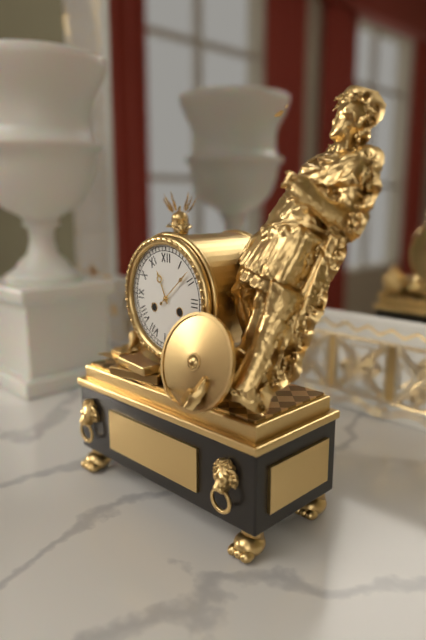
11,08
